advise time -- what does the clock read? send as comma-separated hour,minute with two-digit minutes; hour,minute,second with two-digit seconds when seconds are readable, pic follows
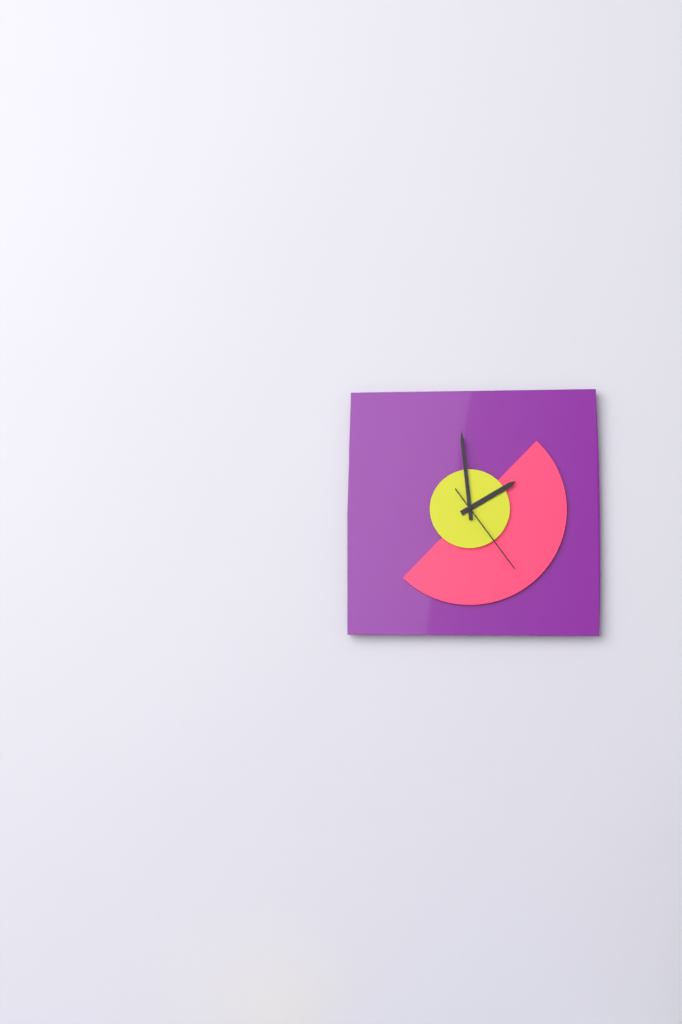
1,59,24
